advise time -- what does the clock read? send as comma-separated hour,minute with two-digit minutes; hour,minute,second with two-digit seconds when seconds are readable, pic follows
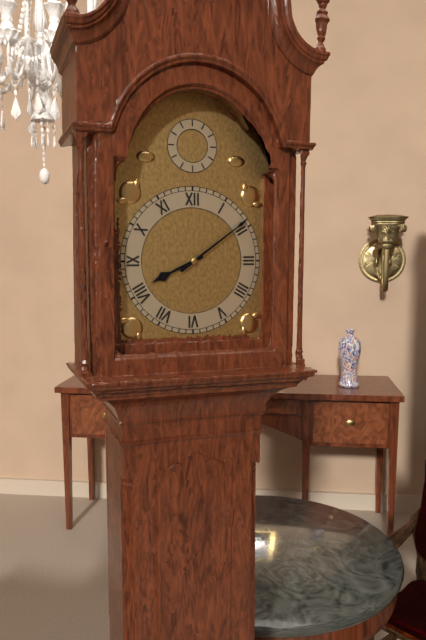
8,09
